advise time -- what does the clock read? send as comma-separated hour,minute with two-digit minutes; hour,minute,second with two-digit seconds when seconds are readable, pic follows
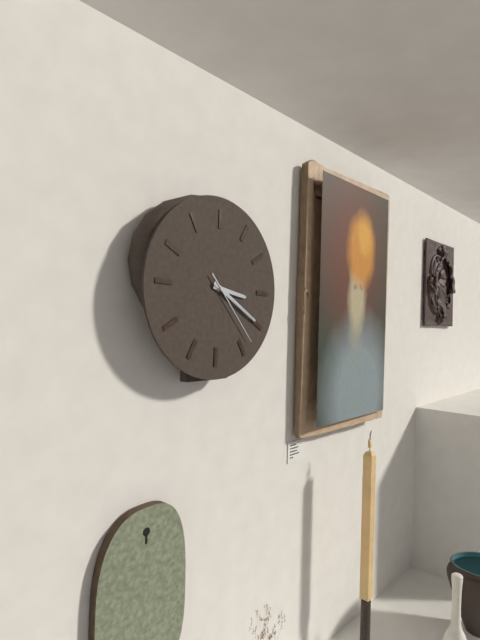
3,20,23
